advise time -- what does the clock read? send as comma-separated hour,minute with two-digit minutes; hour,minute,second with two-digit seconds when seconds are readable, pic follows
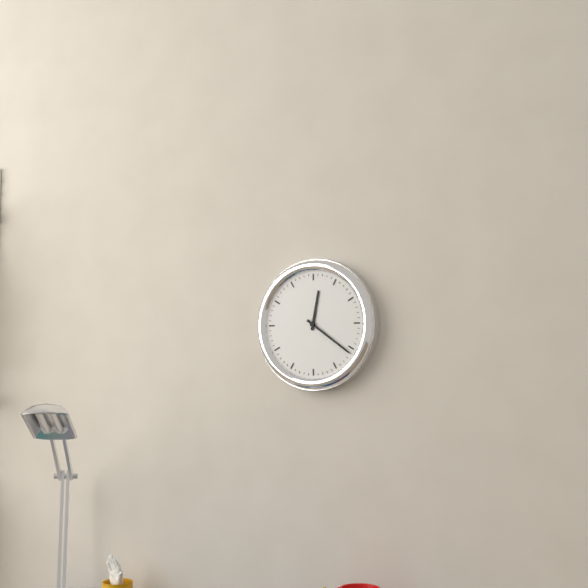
12,21
